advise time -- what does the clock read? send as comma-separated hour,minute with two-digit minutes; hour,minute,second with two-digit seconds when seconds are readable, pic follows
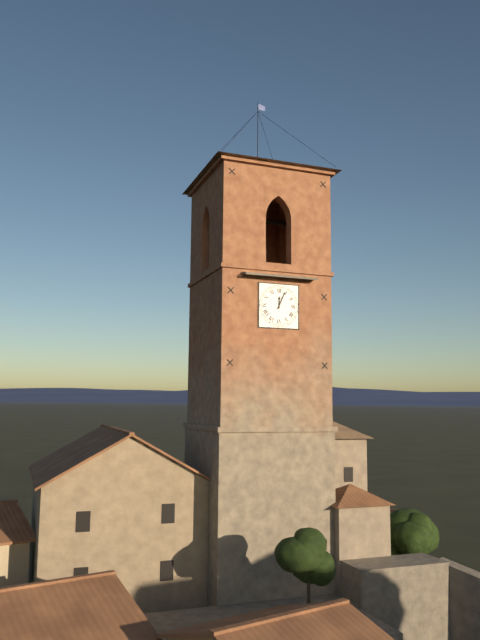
12,04
